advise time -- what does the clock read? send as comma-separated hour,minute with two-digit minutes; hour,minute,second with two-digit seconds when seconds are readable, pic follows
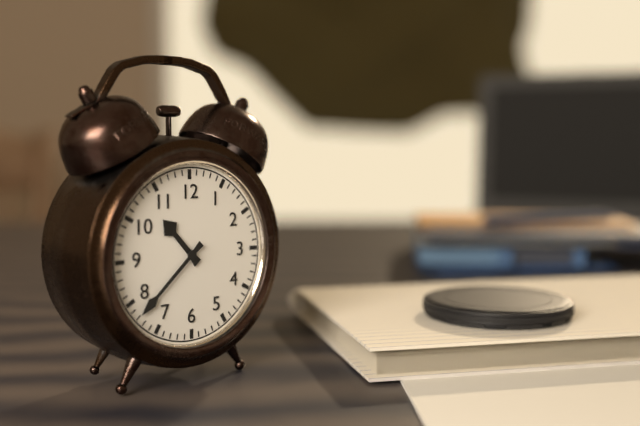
10,38
